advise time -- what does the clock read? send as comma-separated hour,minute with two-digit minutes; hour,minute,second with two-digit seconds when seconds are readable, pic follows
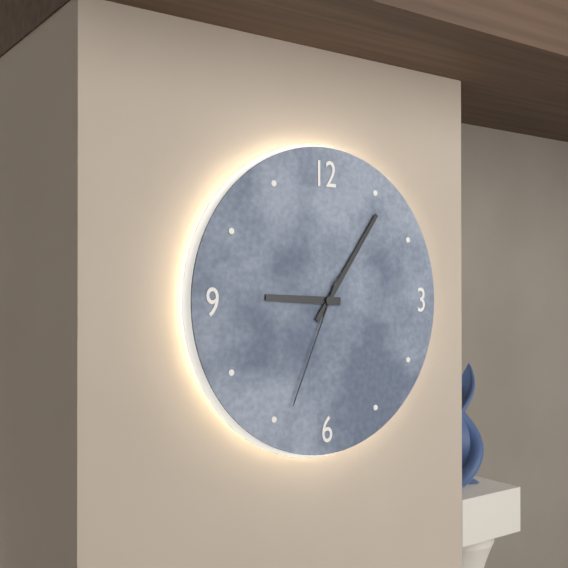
9,06,34
